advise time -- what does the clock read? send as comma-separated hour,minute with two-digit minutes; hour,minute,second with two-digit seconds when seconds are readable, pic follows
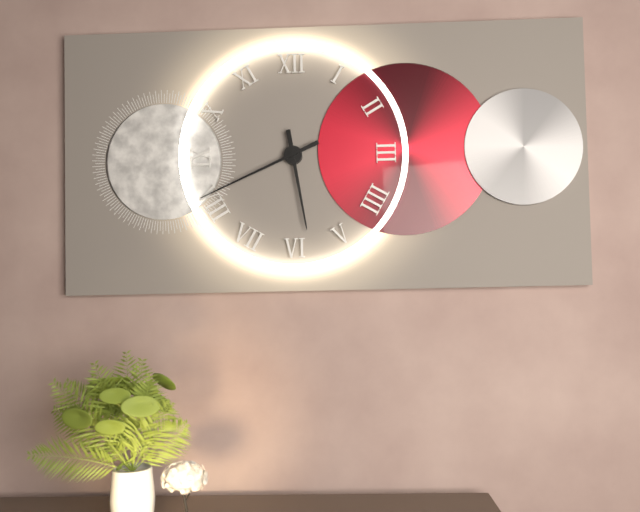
5,41
